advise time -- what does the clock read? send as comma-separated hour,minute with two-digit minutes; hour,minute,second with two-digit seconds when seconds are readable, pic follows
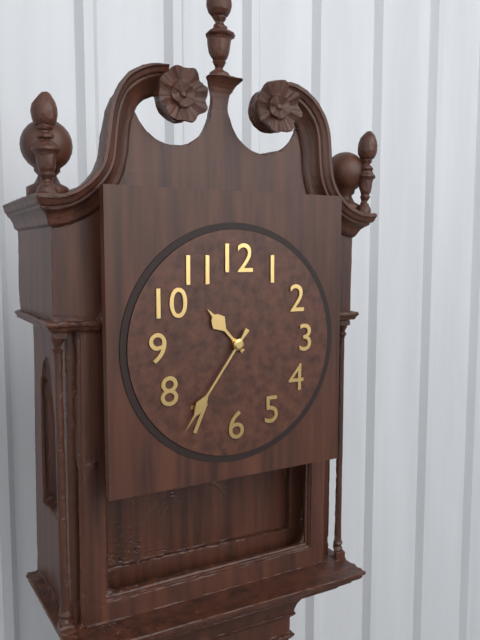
10,36
